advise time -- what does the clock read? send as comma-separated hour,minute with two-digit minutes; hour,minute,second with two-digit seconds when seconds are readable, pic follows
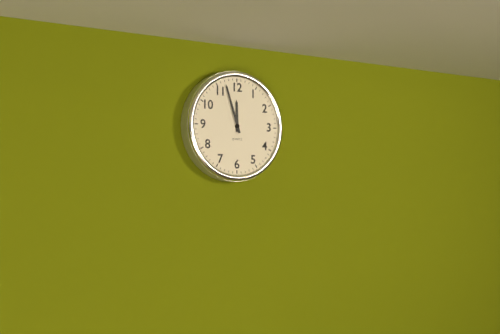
11,57
